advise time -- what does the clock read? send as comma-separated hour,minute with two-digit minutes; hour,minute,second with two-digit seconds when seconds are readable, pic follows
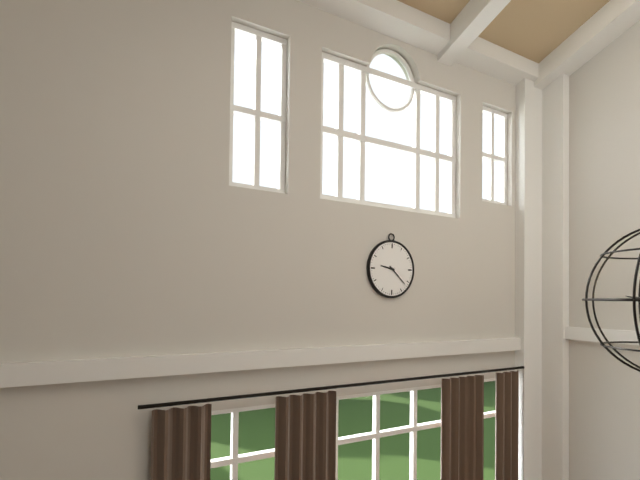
9,22
